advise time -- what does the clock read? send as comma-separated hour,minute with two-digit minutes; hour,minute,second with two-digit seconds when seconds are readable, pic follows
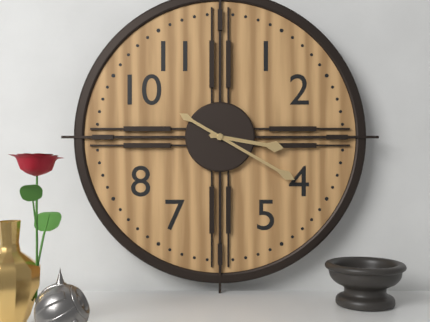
3,20
